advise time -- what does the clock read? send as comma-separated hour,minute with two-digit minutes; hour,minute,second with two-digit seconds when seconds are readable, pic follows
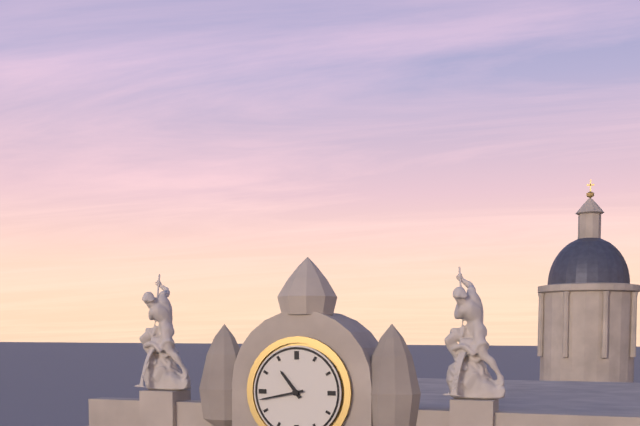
10,43
